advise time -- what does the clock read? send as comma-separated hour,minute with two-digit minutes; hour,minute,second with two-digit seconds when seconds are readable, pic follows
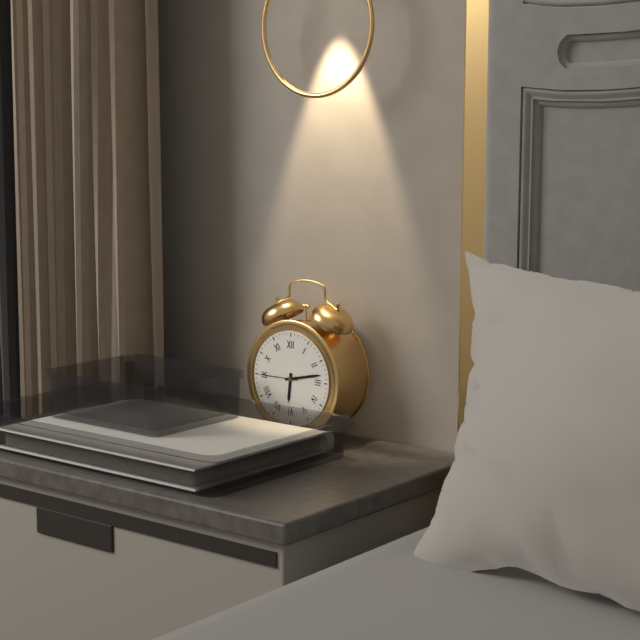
6,13
